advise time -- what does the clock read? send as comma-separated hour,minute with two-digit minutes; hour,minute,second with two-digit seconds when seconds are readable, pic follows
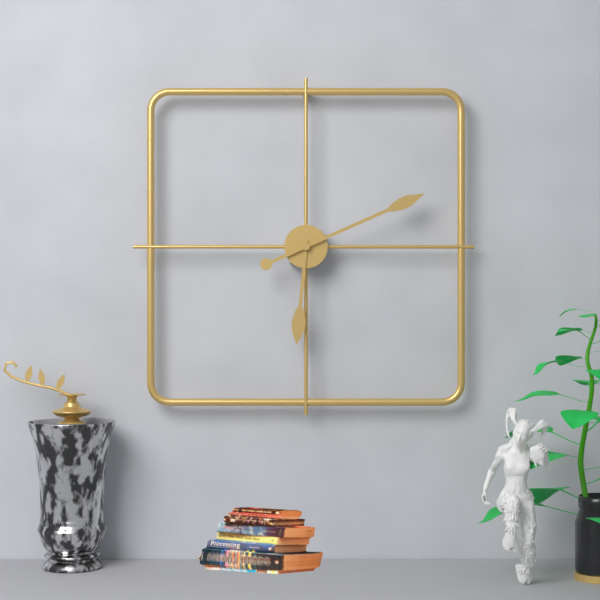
6,11
